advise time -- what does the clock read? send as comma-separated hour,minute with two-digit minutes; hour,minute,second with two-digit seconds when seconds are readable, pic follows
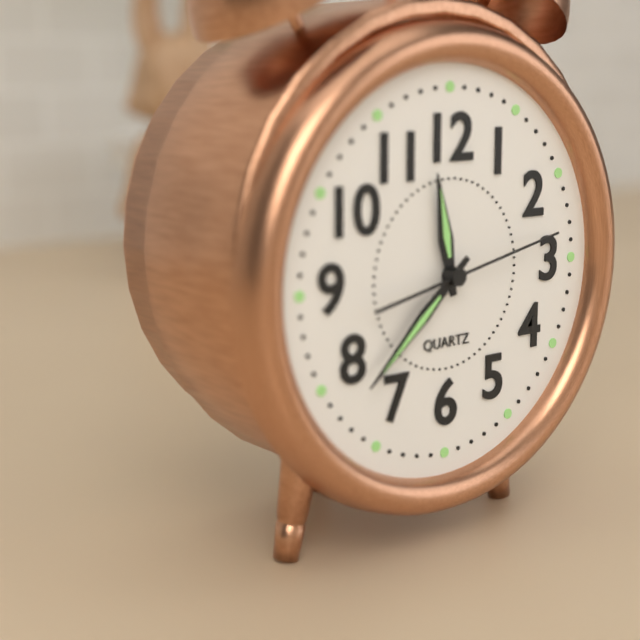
11,38,13
